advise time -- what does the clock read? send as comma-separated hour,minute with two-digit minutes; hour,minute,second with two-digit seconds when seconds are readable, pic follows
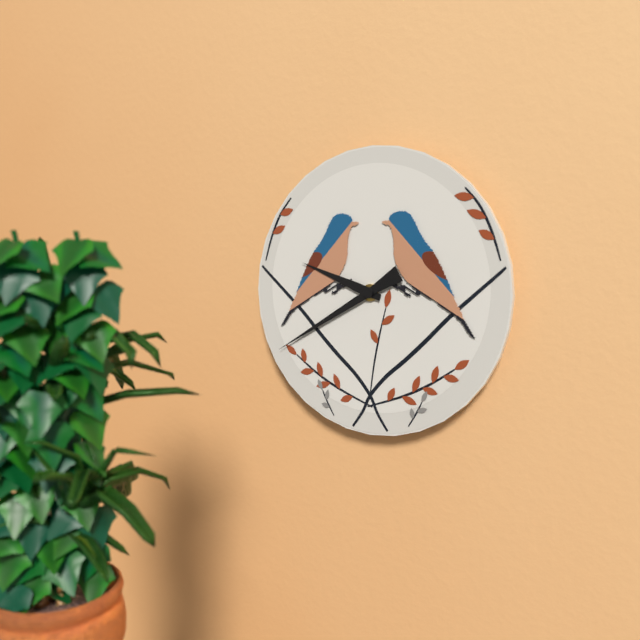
9,40
